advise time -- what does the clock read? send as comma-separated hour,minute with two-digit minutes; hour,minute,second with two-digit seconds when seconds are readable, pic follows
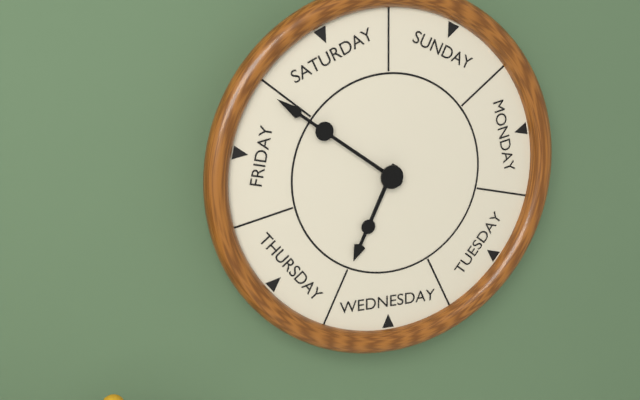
6,51
